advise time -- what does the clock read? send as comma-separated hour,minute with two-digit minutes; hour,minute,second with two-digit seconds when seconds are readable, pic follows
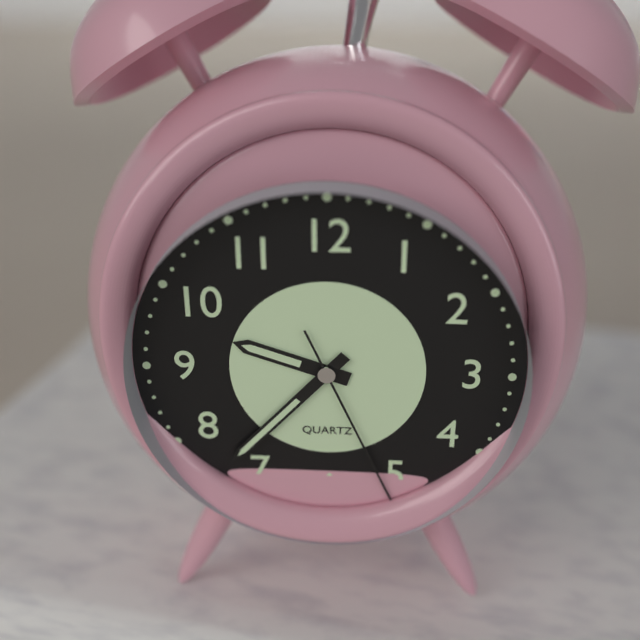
9,37,26
